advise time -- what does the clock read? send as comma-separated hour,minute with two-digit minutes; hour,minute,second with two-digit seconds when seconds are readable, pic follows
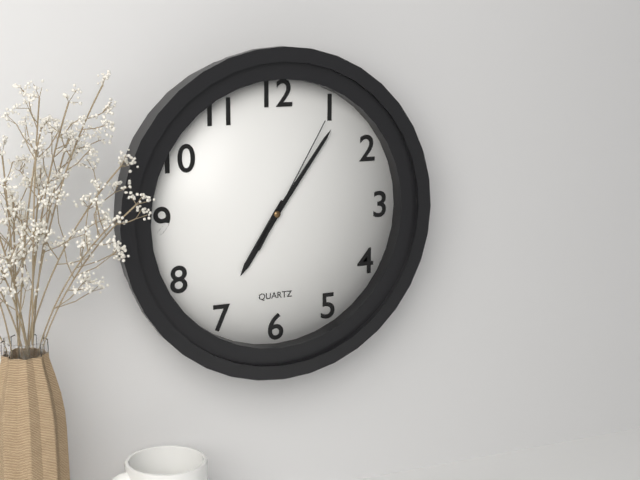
7,06,05
